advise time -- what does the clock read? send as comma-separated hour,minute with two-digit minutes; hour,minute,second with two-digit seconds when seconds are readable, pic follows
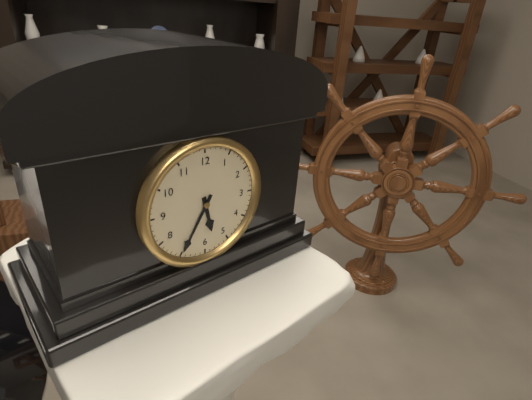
5,35
